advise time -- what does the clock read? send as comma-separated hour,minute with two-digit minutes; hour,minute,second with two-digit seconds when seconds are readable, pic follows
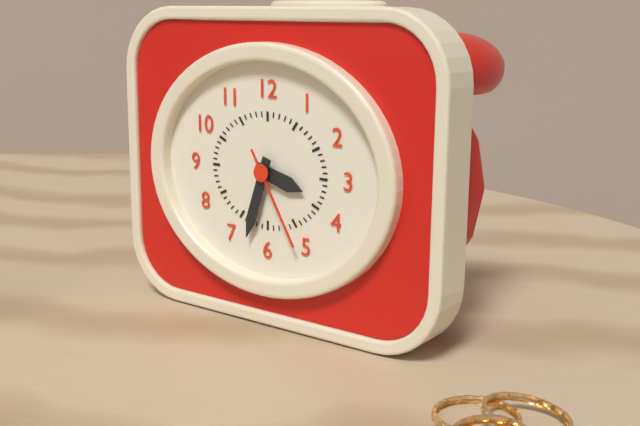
3,33,25
